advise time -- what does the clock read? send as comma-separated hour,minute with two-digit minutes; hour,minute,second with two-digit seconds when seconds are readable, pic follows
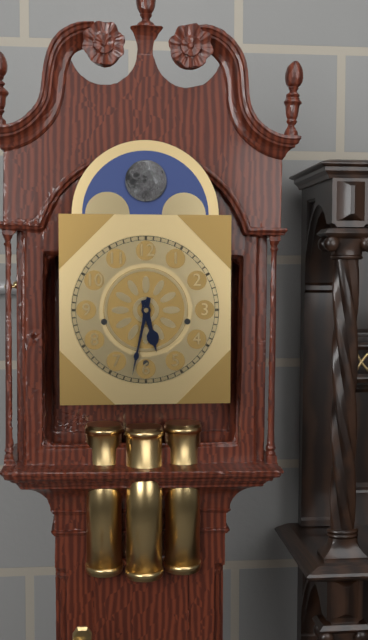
5,32
